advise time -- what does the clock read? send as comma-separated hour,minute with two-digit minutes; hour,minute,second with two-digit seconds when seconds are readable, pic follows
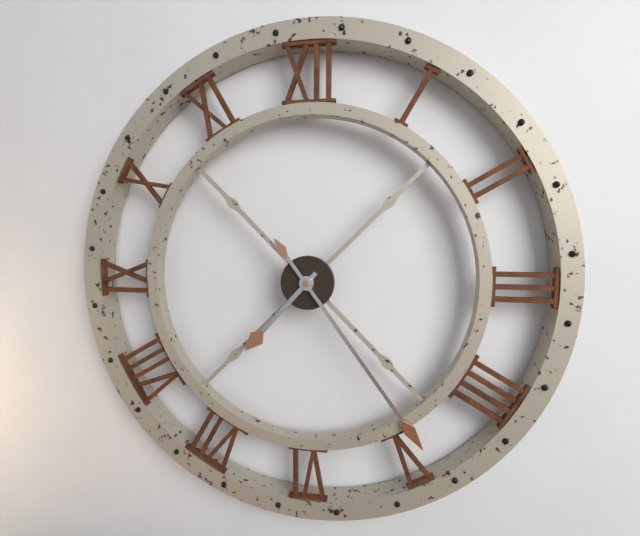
7,24
